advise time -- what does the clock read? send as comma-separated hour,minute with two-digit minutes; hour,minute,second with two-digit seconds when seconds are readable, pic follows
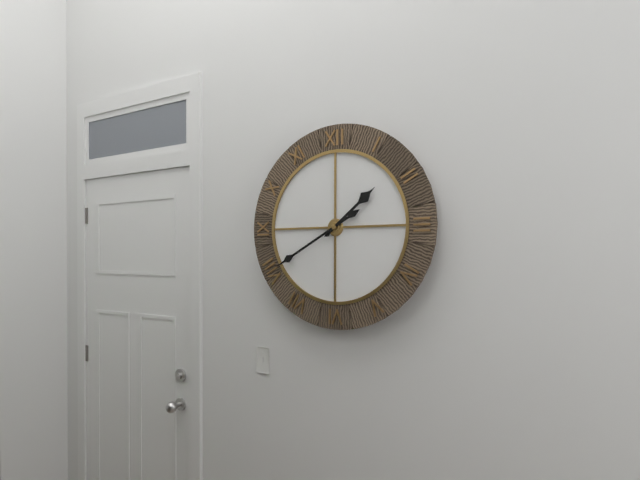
1,40
